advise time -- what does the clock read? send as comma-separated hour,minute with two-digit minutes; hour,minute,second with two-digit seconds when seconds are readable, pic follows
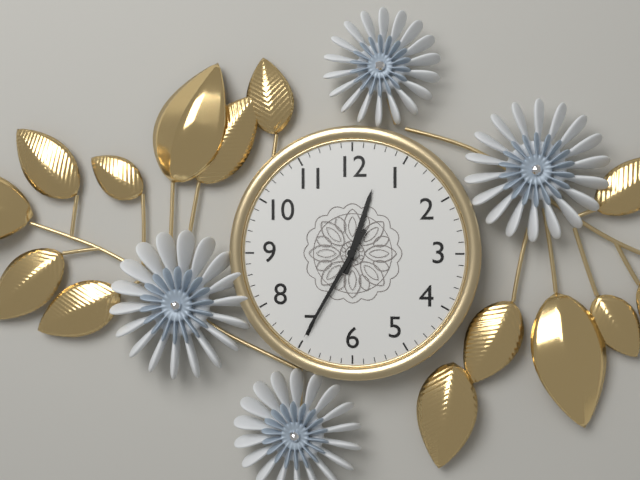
12,35
